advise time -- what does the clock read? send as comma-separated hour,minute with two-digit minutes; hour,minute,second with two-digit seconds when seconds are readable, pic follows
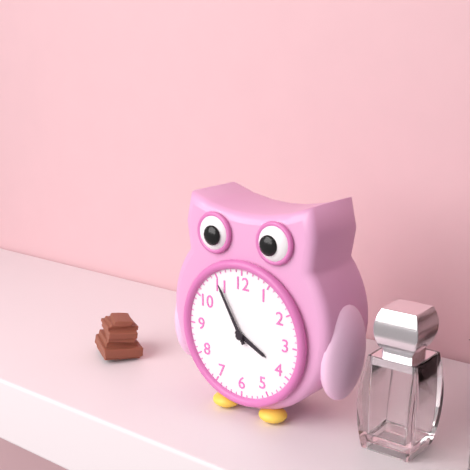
3,55
